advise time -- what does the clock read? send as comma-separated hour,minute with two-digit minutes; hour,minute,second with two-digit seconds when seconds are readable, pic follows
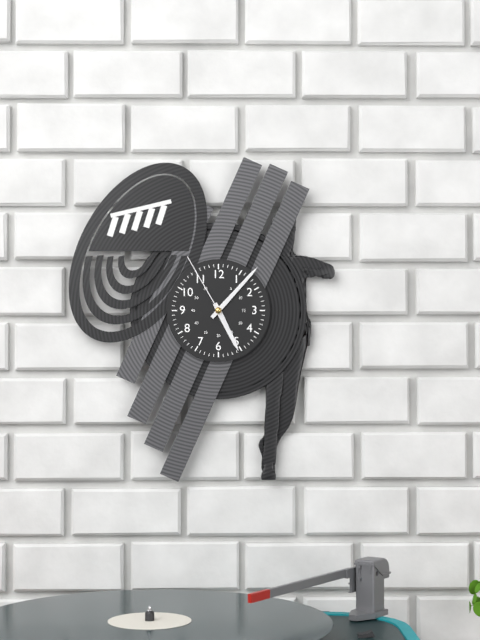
5,07,55
